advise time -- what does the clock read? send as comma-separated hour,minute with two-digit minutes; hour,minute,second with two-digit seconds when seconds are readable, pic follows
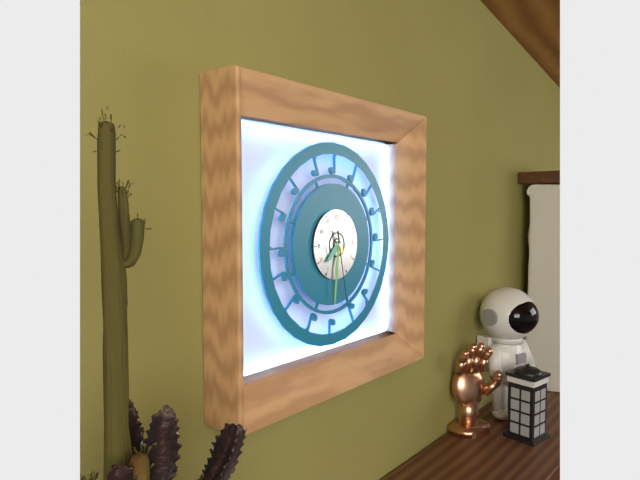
7,31,28
